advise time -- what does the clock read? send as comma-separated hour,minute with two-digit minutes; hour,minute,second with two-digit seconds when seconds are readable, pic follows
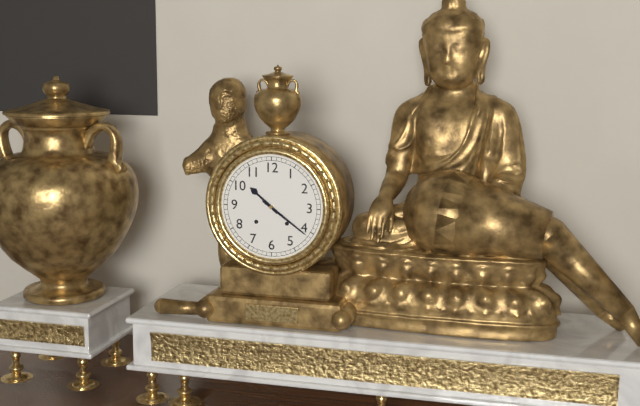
10,21
